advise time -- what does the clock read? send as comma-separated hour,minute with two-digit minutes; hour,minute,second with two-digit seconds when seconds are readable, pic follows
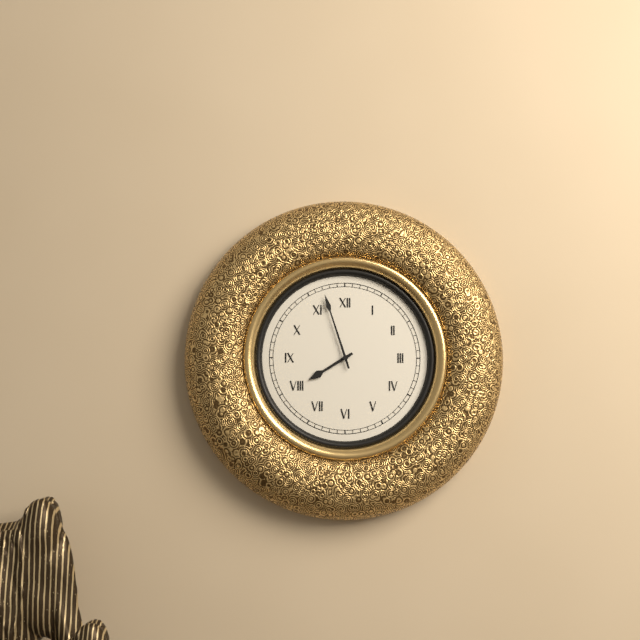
7,57
